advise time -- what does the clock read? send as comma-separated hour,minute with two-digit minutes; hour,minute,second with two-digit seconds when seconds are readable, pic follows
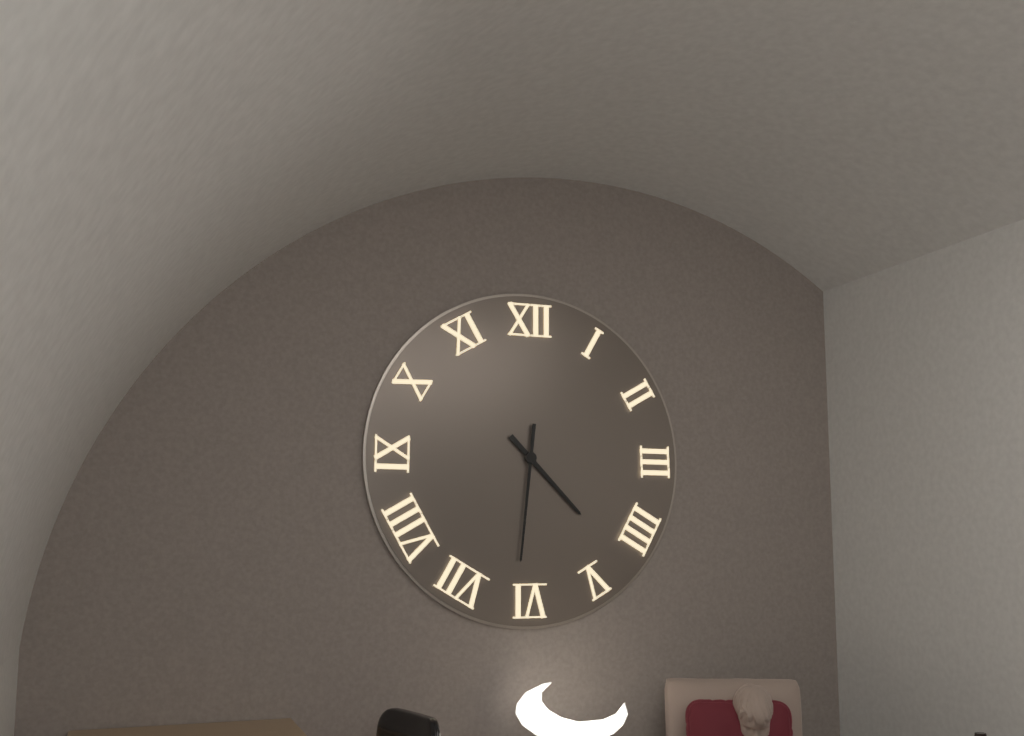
4,31
